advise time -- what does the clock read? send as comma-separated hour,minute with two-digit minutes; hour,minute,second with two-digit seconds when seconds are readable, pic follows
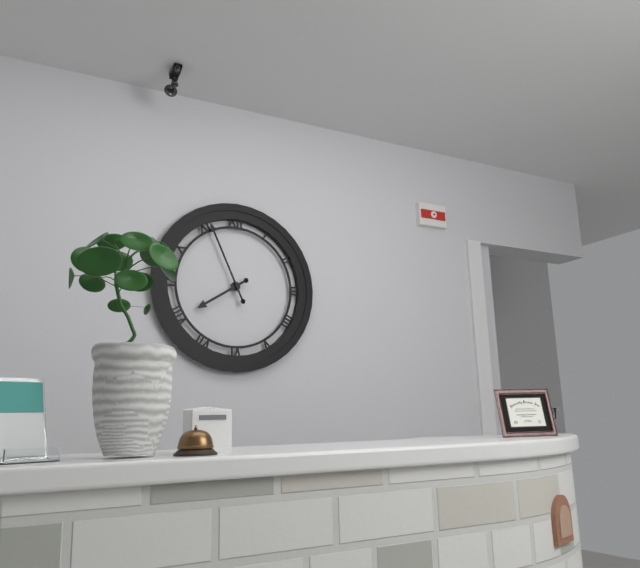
7,56
